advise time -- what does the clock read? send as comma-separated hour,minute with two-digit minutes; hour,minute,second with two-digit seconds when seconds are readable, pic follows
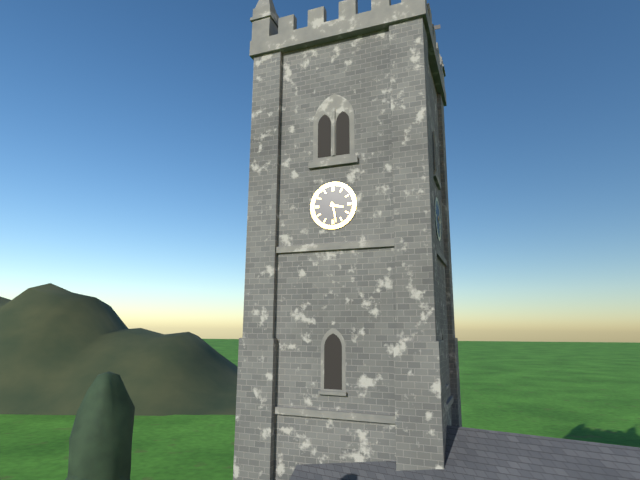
3,28
